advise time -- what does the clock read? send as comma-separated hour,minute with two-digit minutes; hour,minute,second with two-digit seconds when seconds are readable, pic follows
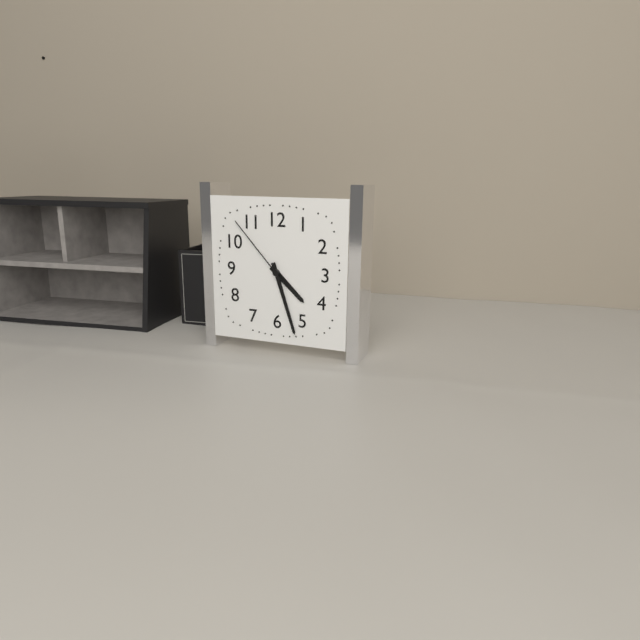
4,27,53
